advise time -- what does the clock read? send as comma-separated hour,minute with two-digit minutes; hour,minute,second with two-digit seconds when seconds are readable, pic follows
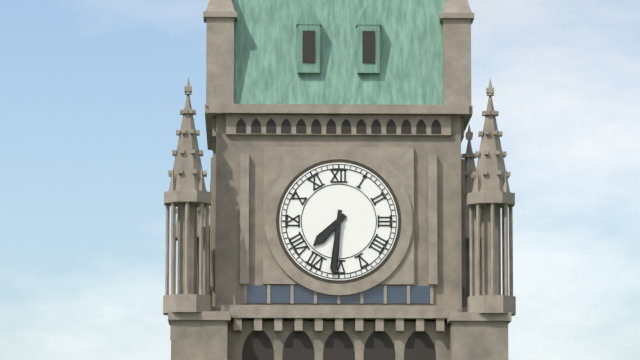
7,31
